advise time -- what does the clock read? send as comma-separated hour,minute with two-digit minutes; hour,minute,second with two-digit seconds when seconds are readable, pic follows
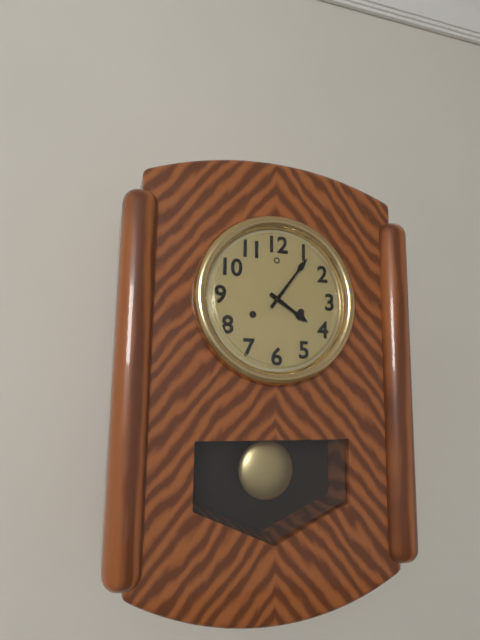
4,06
